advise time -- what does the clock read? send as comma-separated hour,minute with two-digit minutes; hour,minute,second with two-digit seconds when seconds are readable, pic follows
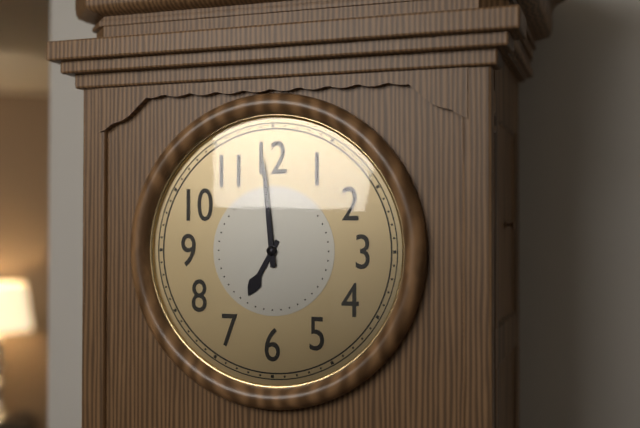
6,59
